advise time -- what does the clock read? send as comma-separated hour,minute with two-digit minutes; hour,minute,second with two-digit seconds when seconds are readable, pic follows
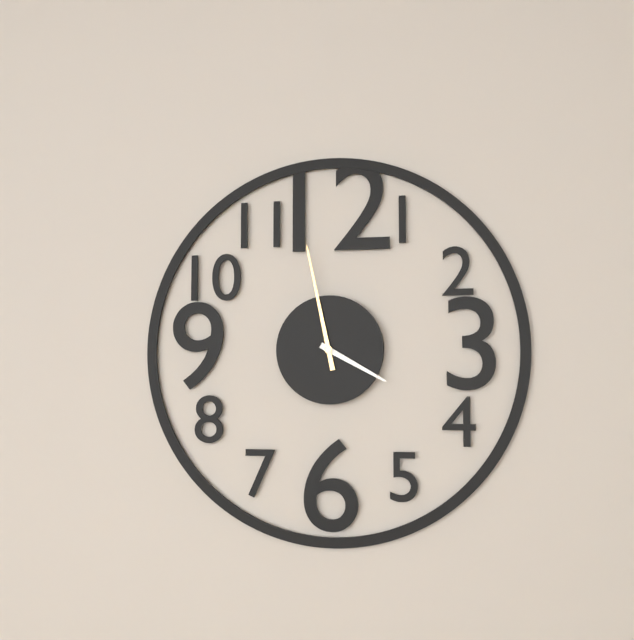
3,58
